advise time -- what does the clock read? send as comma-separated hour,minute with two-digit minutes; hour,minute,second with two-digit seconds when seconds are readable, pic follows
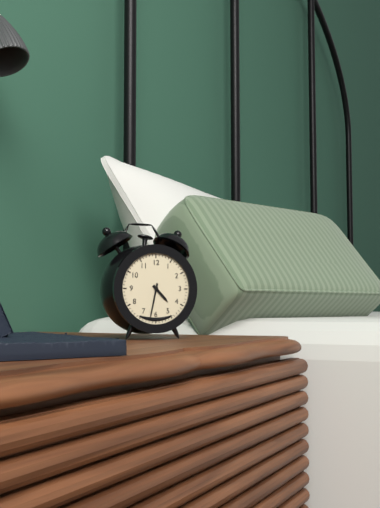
4,32
